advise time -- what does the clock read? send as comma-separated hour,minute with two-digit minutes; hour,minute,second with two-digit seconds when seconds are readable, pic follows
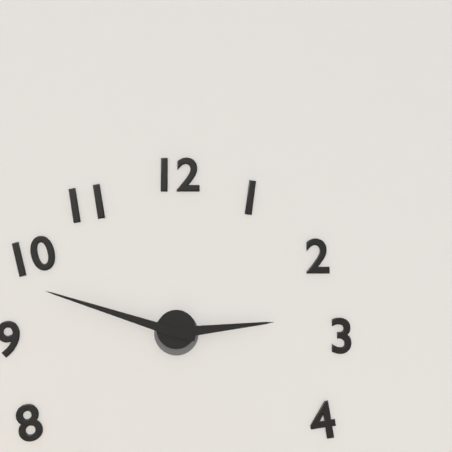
2,48
